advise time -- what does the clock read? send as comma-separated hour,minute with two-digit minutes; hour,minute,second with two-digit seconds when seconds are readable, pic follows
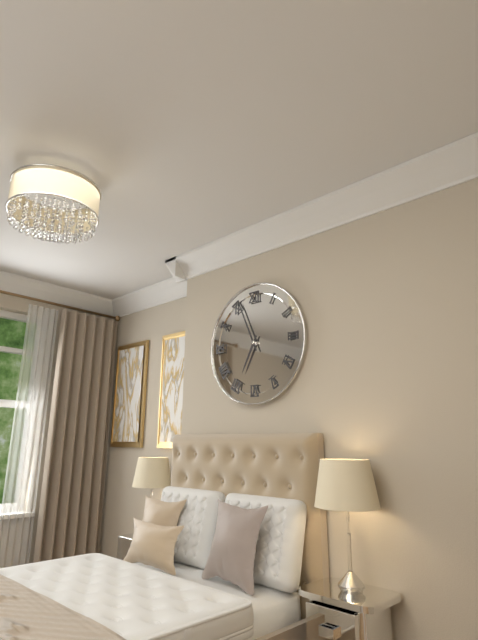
6,56
